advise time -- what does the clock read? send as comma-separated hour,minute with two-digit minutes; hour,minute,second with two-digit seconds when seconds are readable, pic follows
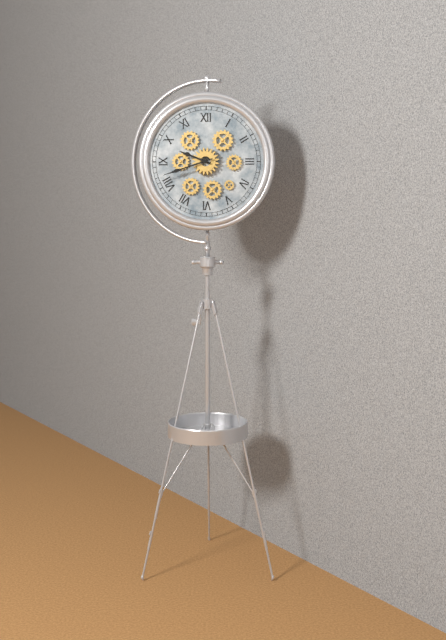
9,42
